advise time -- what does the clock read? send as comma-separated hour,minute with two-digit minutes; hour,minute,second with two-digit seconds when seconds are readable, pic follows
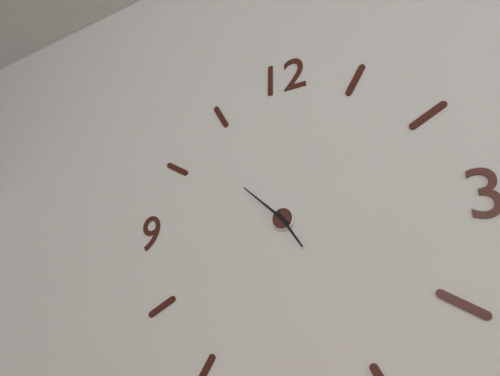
4,52
